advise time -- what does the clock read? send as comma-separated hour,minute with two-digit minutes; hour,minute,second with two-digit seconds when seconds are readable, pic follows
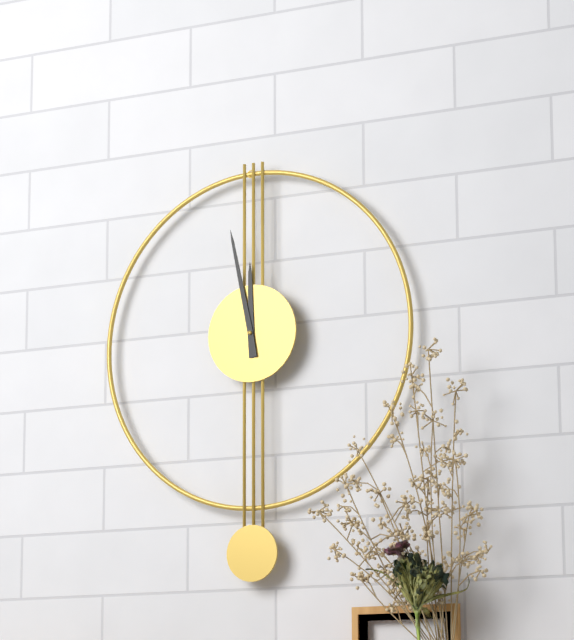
11,58
